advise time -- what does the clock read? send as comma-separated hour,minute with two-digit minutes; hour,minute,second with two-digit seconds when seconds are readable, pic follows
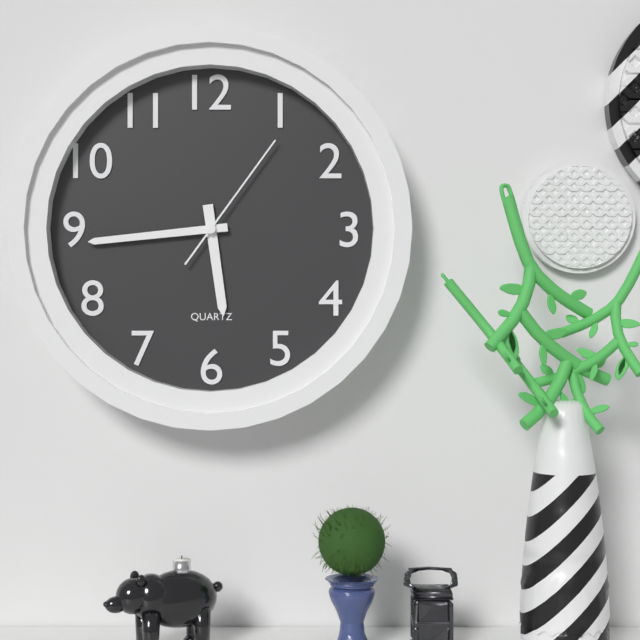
5,44,06
